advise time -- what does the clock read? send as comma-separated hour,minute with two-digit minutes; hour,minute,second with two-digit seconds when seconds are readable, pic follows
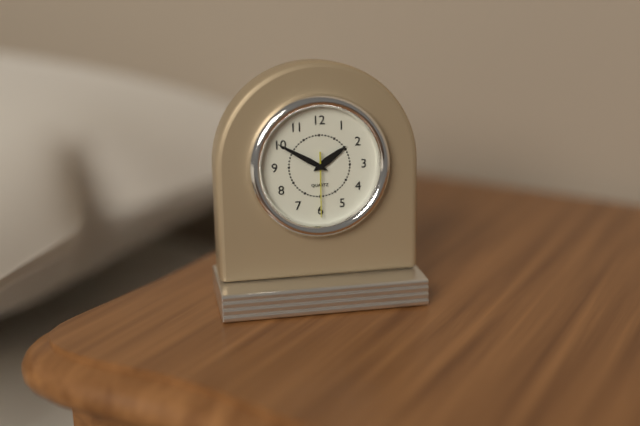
1,50,30
